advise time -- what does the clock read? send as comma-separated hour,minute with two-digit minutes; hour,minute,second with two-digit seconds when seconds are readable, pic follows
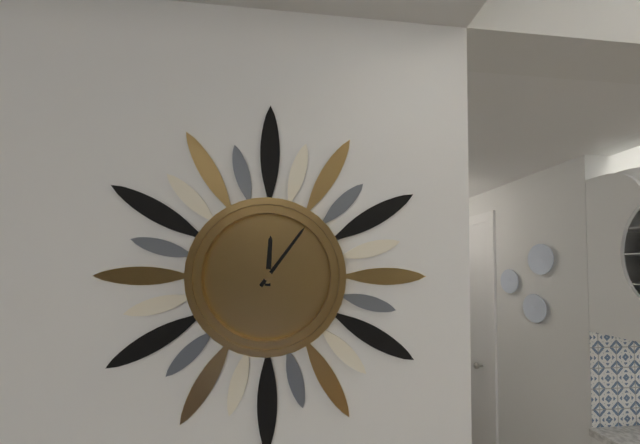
12,06
